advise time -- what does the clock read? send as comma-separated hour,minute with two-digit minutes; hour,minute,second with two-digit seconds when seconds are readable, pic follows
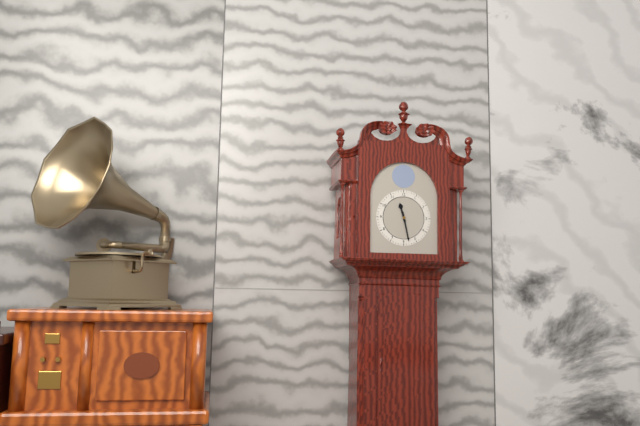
11,28
